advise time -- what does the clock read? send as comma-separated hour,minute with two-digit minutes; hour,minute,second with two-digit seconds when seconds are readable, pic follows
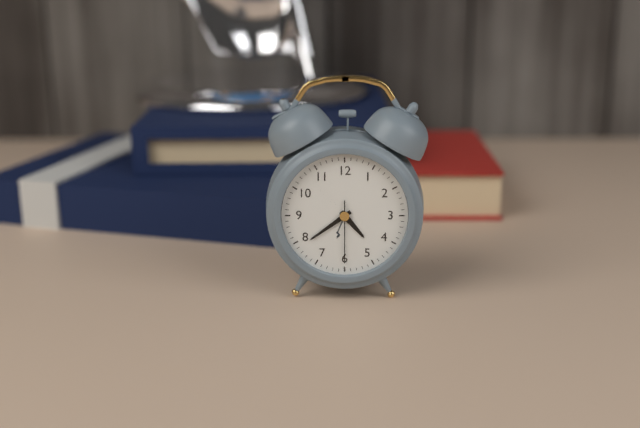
4,39,30
